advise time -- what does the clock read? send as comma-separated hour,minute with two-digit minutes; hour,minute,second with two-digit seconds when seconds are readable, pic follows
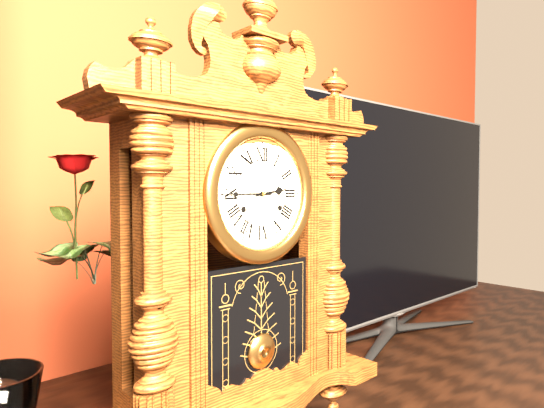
2,45
